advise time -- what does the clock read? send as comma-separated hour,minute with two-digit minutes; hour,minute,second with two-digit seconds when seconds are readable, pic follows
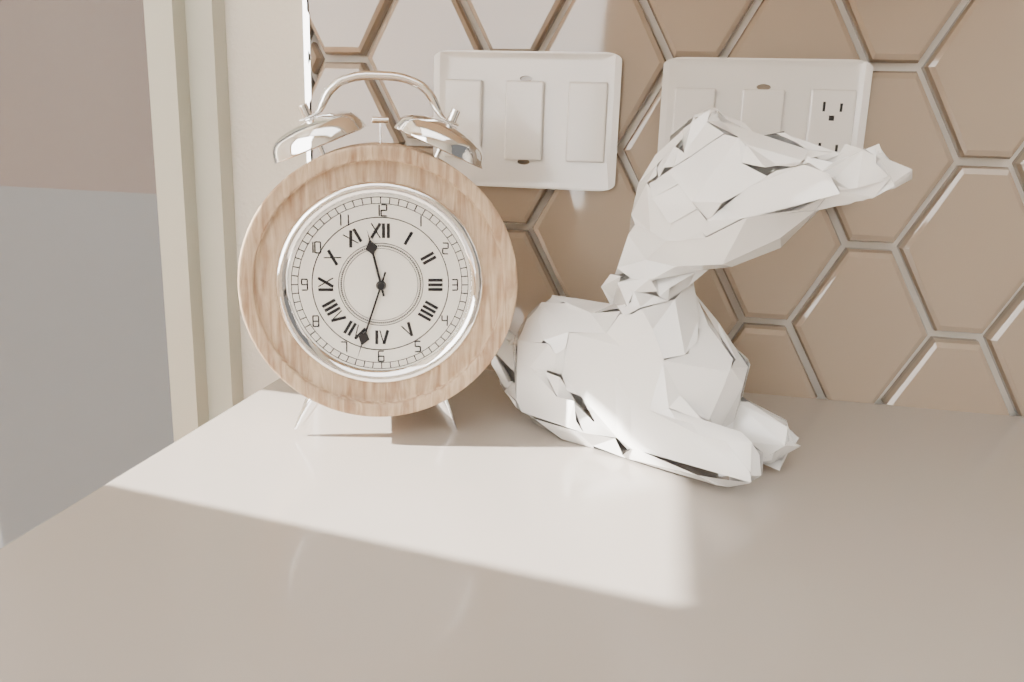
11,33
